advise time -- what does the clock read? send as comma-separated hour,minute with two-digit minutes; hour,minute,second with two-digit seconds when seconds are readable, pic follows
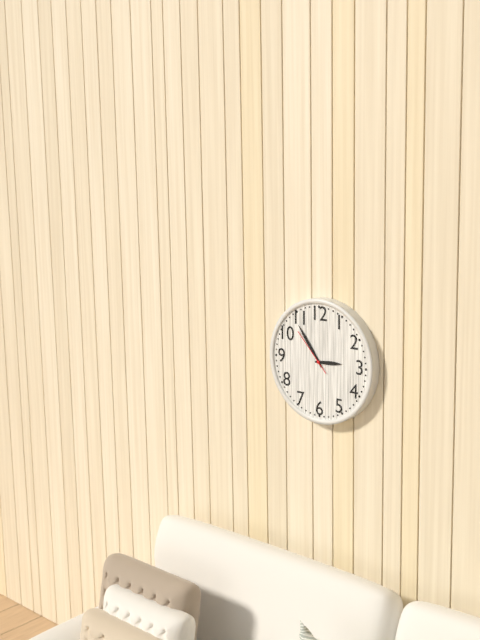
2,54
